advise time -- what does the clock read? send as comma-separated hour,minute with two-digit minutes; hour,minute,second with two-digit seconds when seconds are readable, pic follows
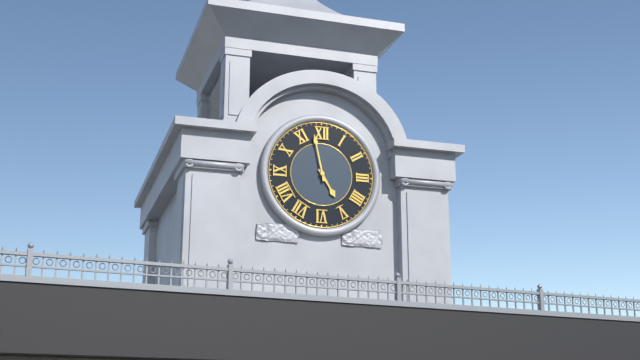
4,58
